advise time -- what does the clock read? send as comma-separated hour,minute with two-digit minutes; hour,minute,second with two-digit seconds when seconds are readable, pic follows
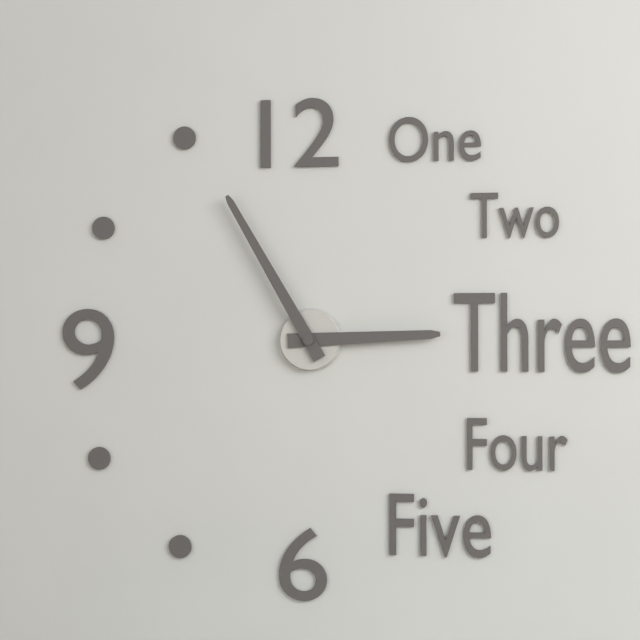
2,55
